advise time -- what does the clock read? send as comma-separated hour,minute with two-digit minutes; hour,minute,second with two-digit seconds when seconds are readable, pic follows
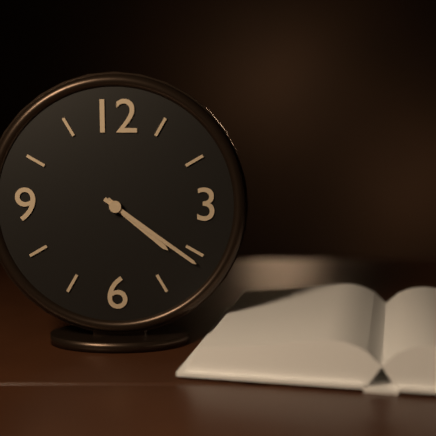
4,21
